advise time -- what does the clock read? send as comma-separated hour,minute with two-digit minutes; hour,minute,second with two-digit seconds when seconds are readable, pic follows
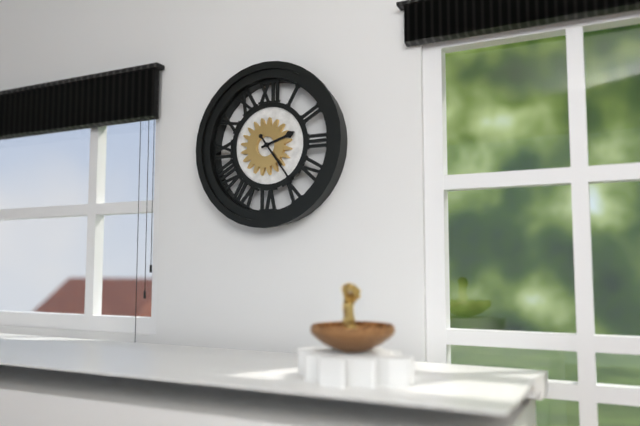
2,24
